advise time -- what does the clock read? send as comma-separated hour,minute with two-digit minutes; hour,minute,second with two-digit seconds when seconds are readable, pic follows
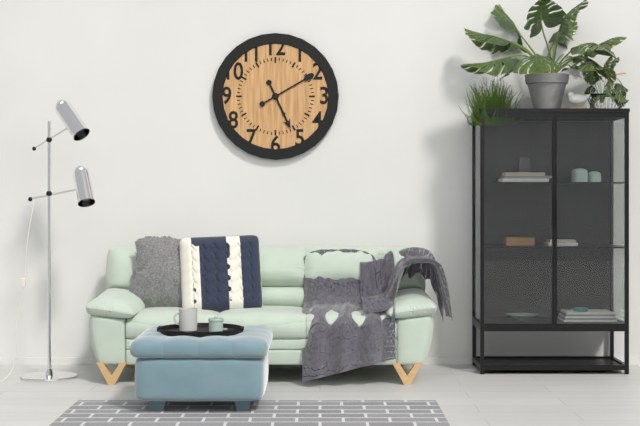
5,10
